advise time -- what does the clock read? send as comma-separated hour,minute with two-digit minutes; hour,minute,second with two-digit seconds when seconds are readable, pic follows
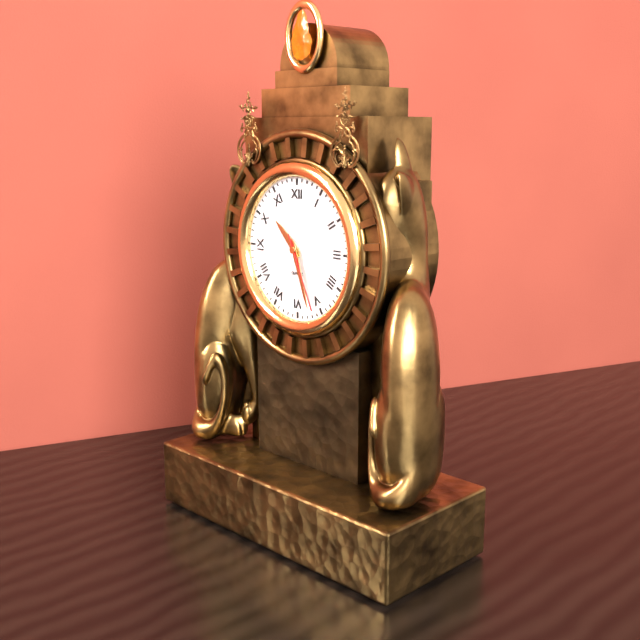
10,27,26
